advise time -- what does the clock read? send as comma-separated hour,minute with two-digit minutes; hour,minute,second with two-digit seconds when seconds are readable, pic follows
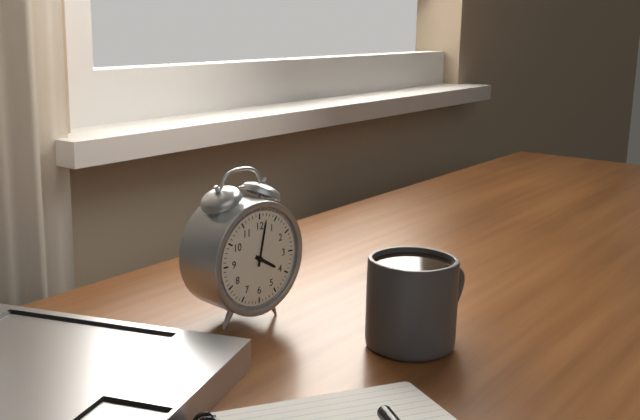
4,02
